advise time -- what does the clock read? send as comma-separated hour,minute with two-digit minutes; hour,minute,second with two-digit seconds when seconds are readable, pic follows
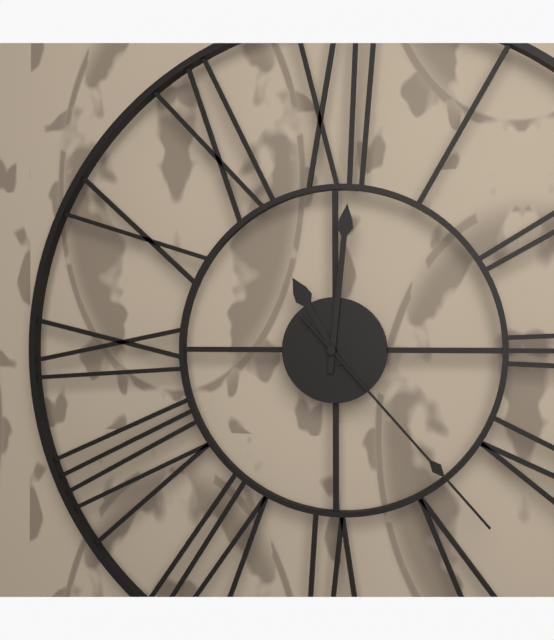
11,01,23
